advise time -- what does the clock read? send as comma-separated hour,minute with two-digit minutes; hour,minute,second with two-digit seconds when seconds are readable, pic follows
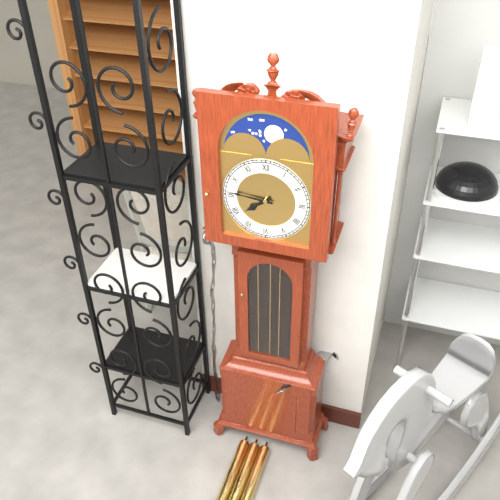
7,46
